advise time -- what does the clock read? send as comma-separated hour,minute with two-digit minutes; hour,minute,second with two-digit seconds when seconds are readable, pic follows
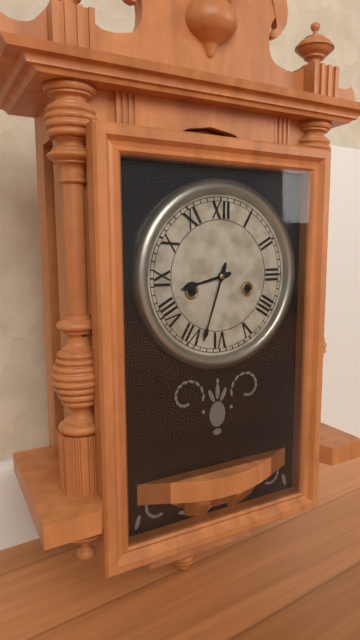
8,33
